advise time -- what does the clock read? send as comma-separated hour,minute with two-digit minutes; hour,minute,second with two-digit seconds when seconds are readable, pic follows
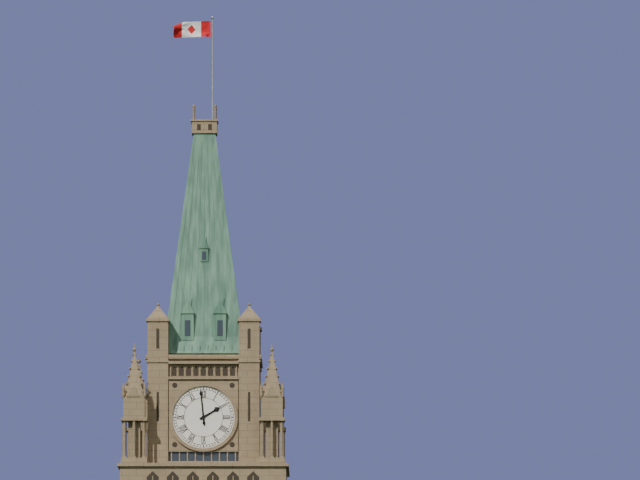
1,59
